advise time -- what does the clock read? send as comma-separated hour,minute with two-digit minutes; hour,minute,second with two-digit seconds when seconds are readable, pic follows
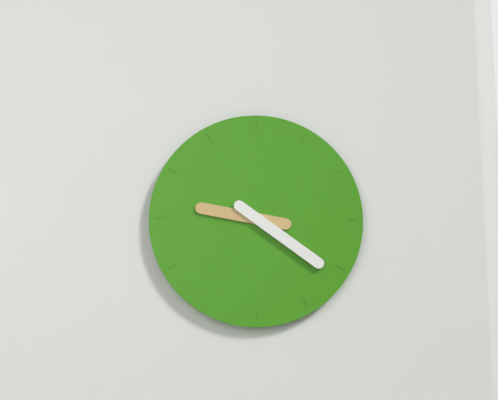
9,21
